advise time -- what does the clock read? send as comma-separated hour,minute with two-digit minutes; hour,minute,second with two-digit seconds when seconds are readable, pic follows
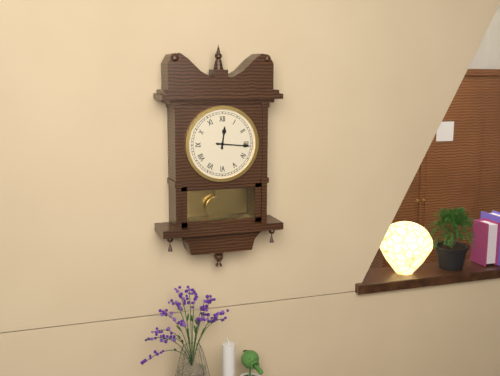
12,16
